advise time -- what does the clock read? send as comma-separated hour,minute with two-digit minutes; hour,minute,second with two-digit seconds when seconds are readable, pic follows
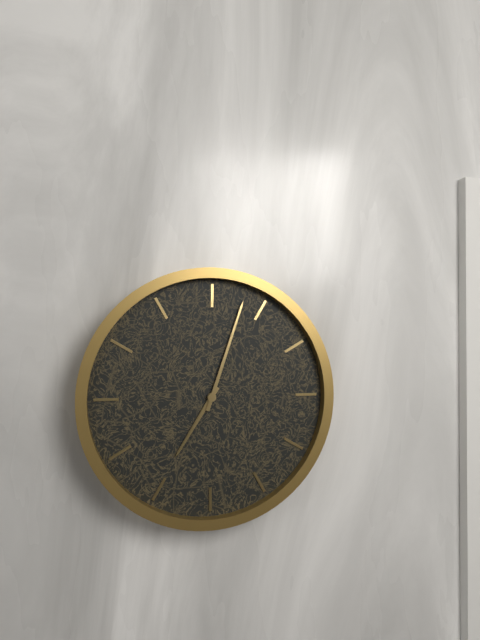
7,03
